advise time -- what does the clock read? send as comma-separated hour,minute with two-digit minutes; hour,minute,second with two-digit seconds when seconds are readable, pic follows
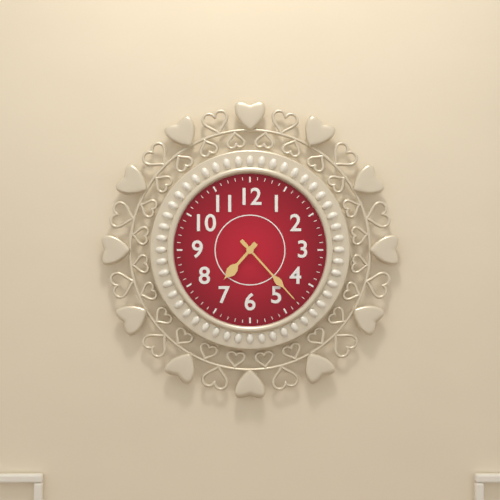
7,23
